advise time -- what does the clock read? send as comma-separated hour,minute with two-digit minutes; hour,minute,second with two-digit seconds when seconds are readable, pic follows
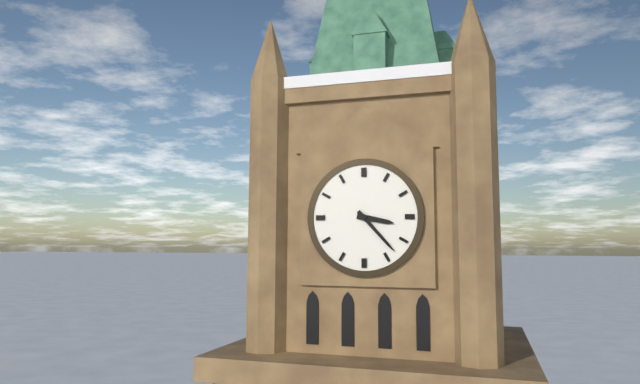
3,23
